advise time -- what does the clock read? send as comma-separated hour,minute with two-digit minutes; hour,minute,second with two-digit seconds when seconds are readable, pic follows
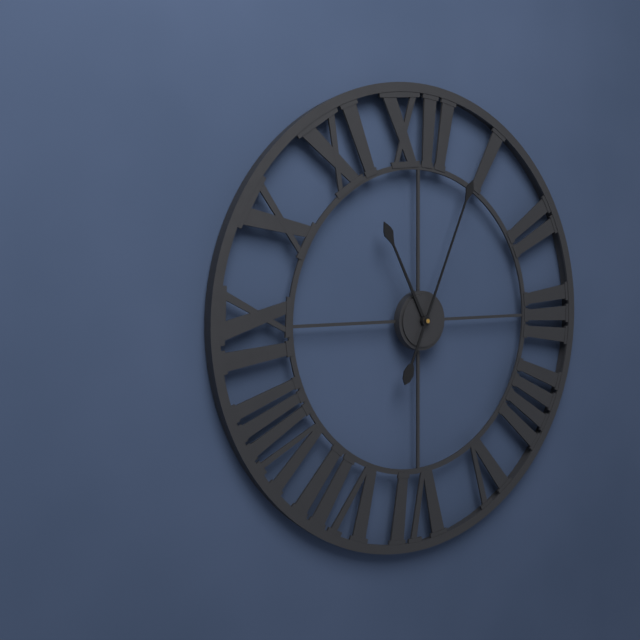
11,04
